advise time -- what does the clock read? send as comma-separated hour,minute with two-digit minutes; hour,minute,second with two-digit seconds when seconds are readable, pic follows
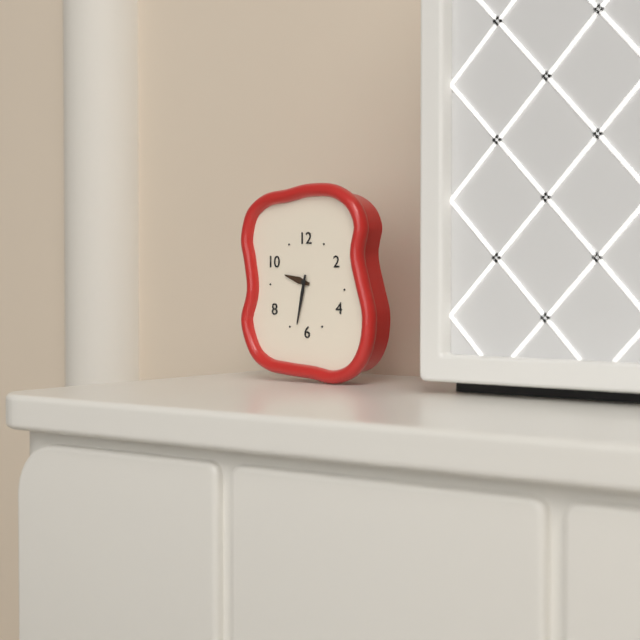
9,32
